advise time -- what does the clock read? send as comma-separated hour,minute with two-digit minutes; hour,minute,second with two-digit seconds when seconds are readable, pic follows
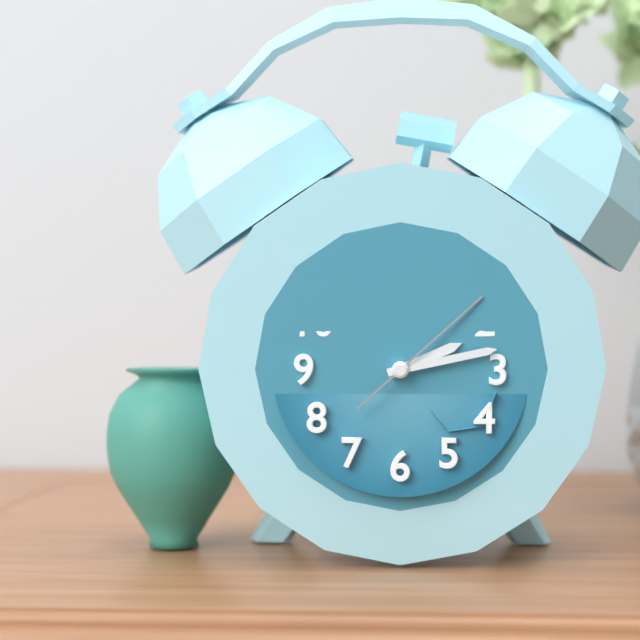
2,13,08
